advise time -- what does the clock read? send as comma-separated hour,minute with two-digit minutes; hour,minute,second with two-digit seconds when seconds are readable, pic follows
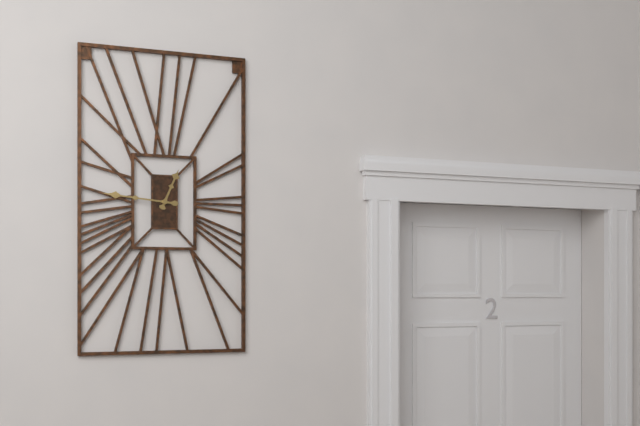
12,46
